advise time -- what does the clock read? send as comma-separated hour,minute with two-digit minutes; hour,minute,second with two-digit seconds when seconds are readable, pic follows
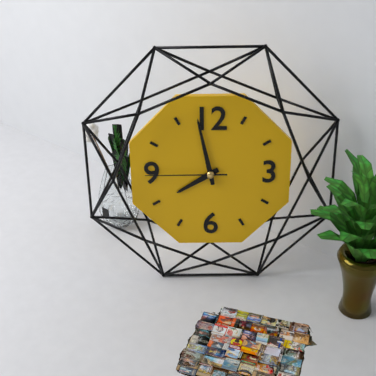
7,58,45
